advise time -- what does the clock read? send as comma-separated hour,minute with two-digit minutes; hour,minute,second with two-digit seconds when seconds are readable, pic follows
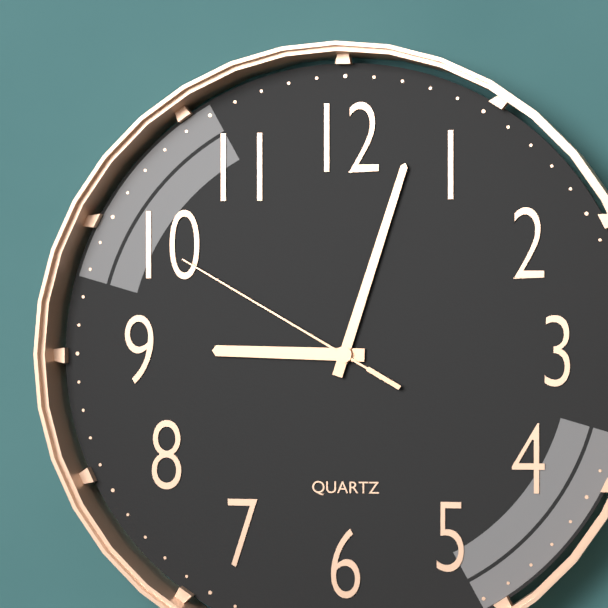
9,03,50
